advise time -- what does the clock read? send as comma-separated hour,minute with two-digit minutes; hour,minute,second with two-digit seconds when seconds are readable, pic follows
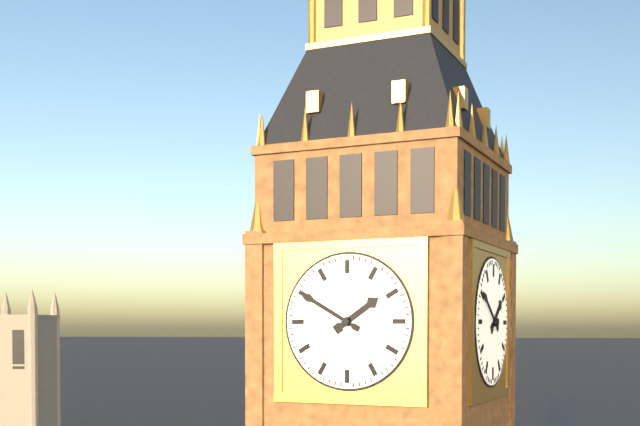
1,50
